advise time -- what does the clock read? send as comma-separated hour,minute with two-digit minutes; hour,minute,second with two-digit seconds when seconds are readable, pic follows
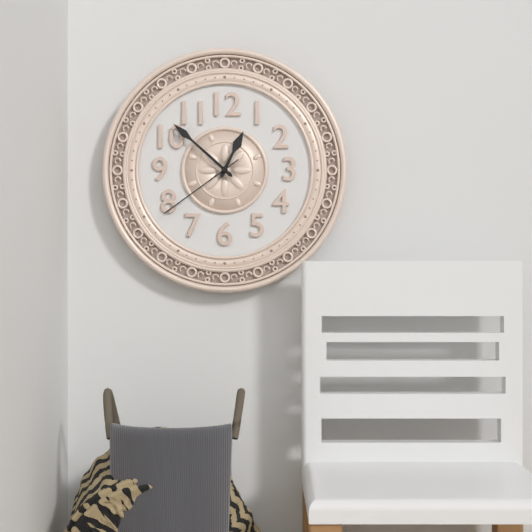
12,52,39
